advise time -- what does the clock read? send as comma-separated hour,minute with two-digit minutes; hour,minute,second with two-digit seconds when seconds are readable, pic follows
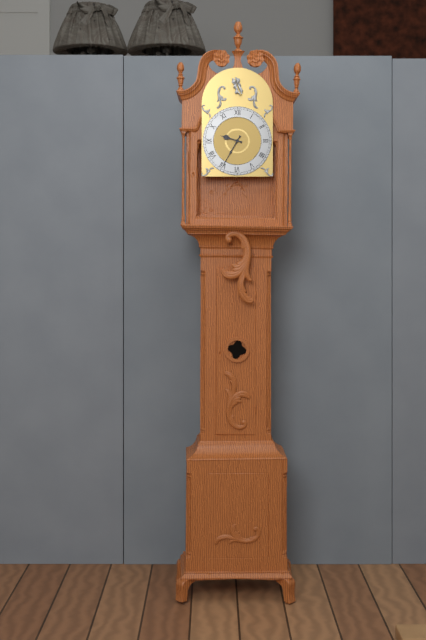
9,35
